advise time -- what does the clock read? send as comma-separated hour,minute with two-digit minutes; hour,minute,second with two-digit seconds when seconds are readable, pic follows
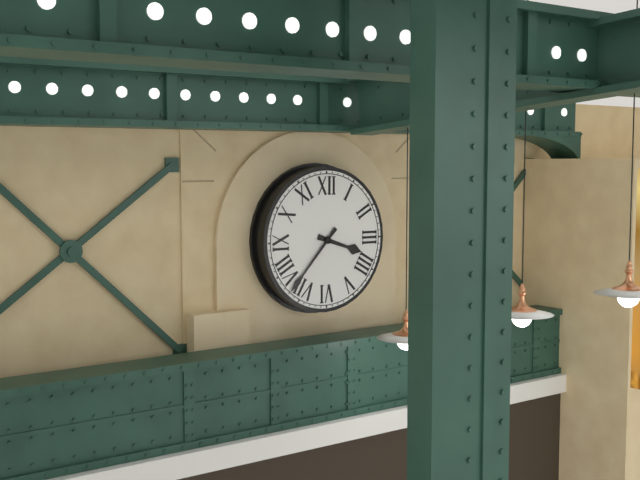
3,37
